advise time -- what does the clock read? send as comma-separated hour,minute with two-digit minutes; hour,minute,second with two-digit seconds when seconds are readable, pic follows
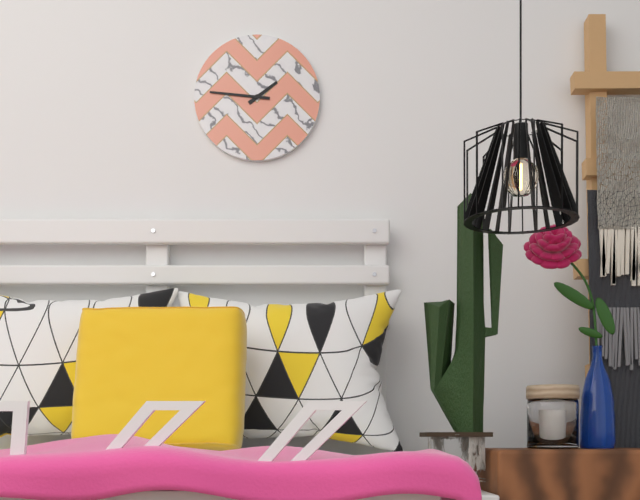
1,46
